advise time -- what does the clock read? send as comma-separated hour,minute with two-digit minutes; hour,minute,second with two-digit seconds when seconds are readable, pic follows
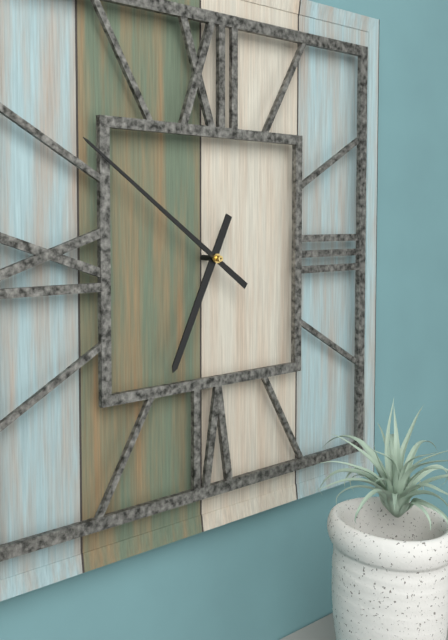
6,51
